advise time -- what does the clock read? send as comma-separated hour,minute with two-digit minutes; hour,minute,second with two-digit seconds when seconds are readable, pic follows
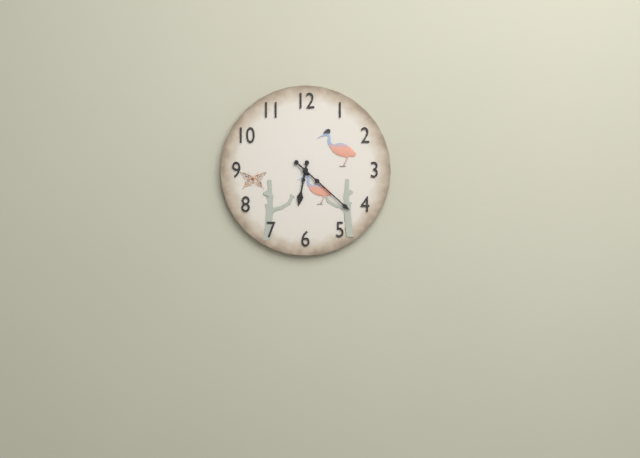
6,22
